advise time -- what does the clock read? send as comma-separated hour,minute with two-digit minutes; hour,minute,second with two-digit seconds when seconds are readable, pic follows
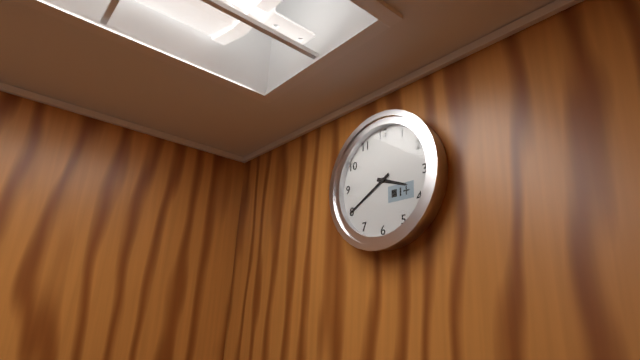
3,40
